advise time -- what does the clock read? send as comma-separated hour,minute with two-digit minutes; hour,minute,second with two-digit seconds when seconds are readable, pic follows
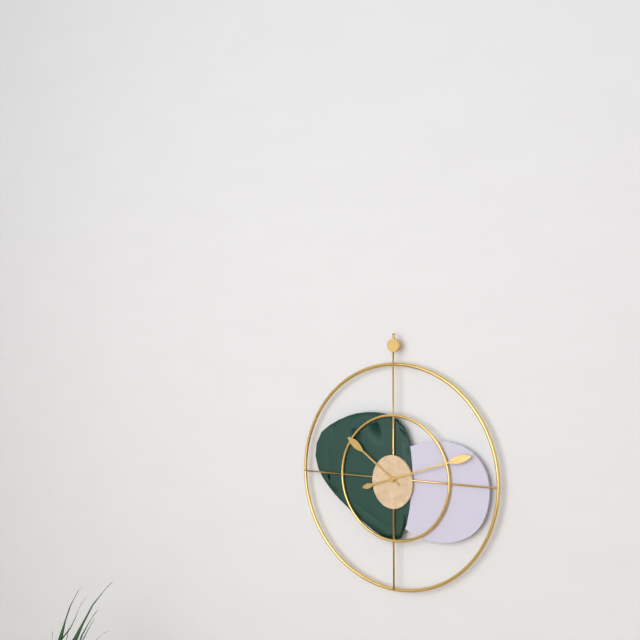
10,12
